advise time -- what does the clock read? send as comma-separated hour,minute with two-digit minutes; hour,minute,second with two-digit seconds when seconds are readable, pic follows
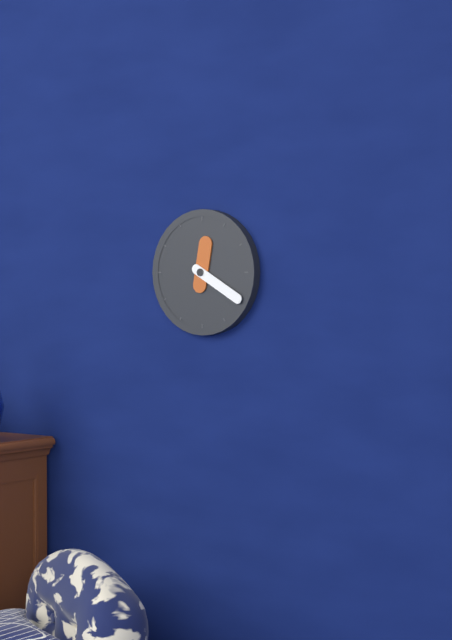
12,20
